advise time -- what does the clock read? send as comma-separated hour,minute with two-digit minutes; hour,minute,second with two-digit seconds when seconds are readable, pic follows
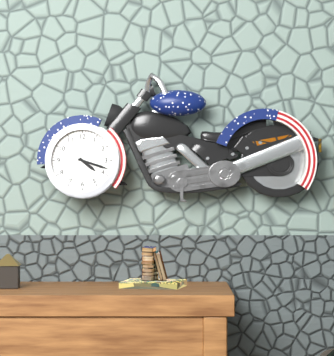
4,18
